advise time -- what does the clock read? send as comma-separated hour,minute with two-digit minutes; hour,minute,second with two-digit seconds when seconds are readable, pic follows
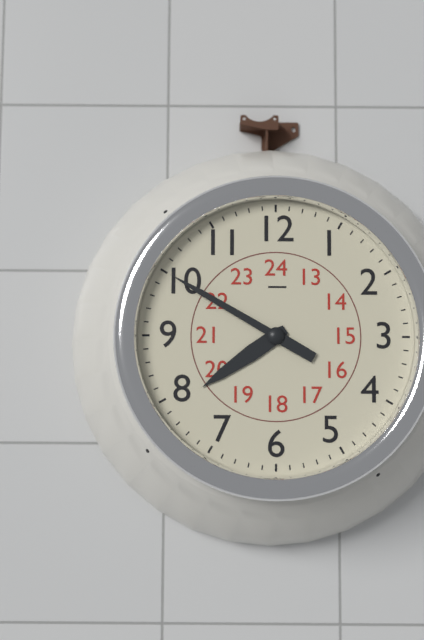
7,50
